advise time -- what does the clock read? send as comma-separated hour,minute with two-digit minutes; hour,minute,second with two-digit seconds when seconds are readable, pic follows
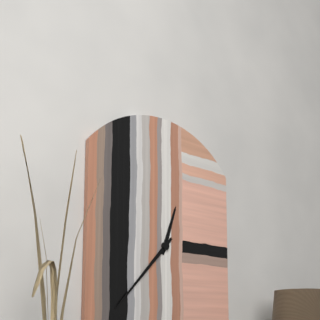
12,37
